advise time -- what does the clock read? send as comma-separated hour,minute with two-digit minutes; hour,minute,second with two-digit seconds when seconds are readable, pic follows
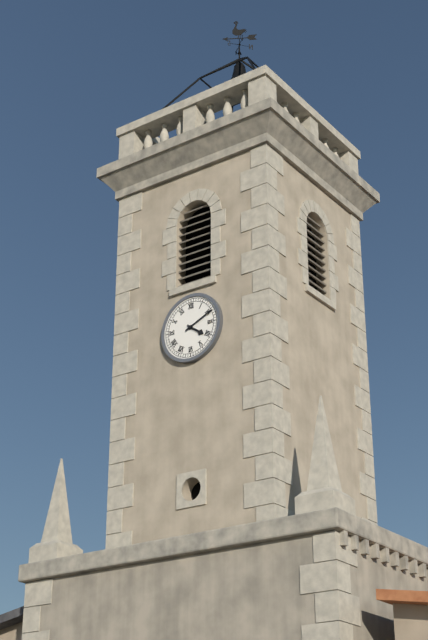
4,11
